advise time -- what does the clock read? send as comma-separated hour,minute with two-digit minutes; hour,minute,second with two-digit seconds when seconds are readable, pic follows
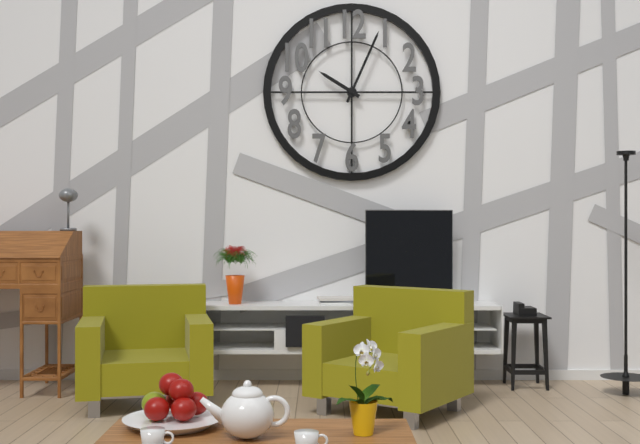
10,04
